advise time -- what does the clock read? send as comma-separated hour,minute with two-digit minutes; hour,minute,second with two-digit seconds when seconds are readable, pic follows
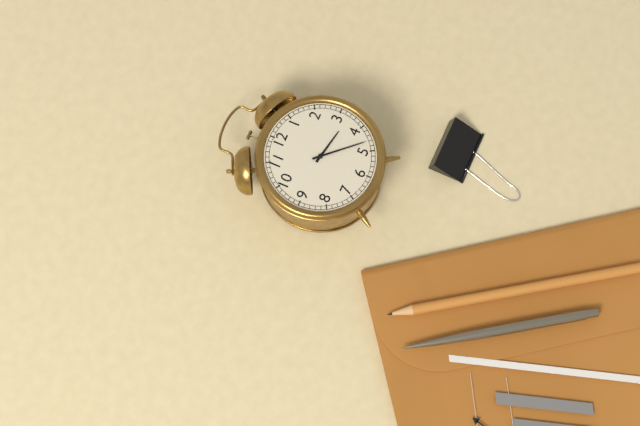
3,23
